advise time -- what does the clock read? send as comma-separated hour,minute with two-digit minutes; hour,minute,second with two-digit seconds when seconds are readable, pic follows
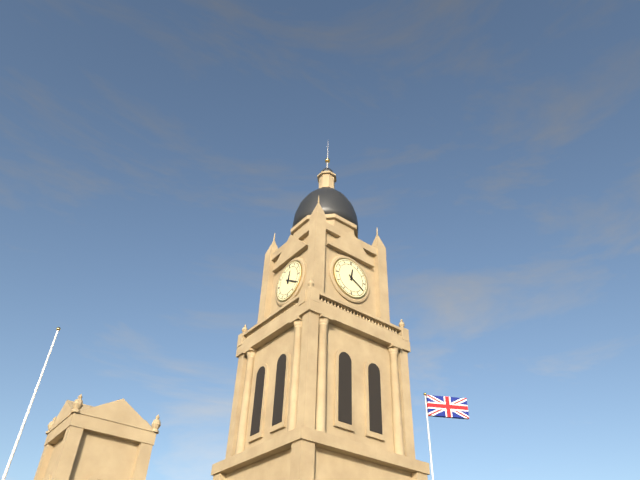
12,20
